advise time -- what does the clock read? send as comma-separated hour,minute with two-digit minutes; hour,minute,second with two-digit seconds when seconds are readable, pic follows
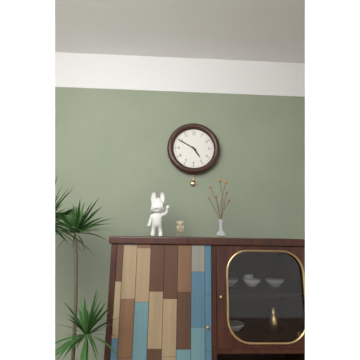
4,50
